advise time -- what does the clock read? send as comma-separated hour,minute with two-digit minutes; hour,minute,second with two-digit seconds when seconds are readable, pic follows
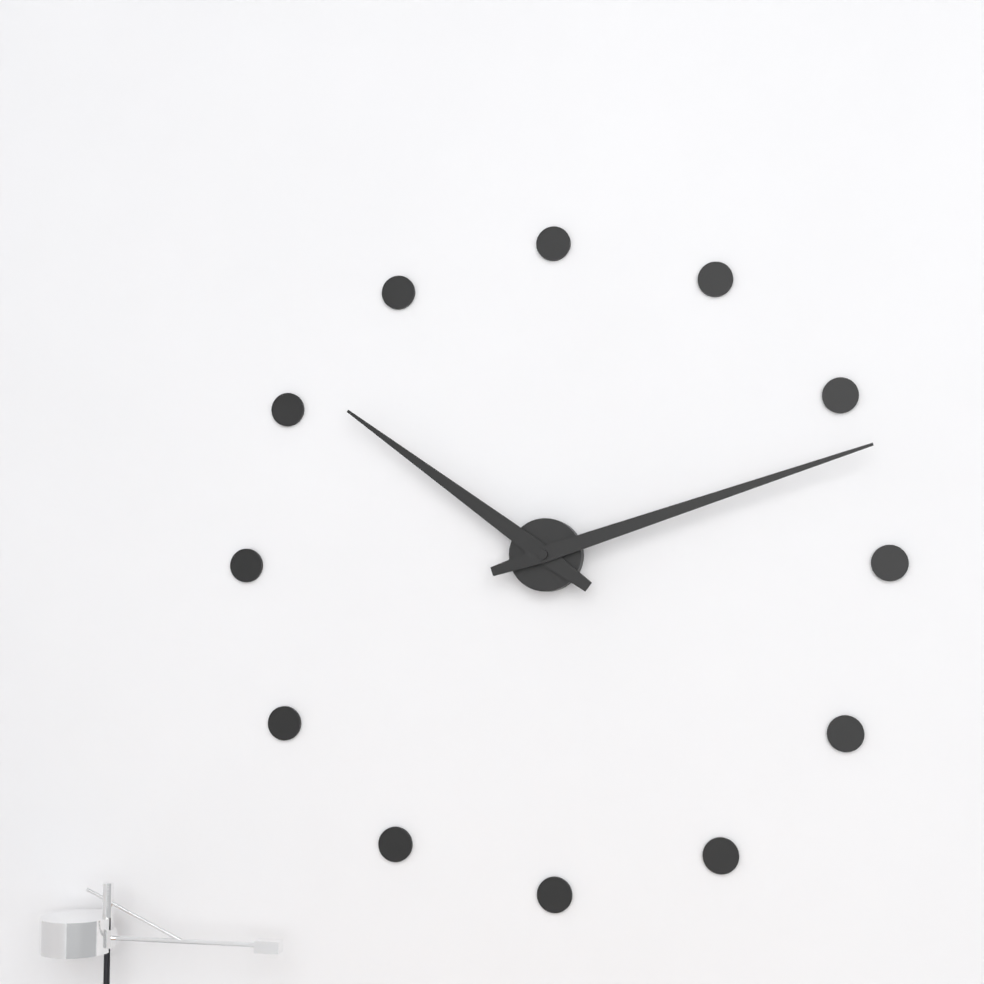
10,12
